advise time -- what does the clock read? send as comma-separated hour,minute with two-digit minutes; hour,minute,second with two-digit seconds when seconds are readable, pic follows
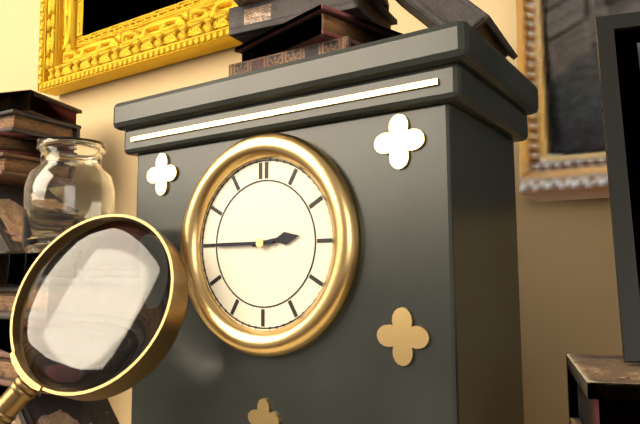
2,45
